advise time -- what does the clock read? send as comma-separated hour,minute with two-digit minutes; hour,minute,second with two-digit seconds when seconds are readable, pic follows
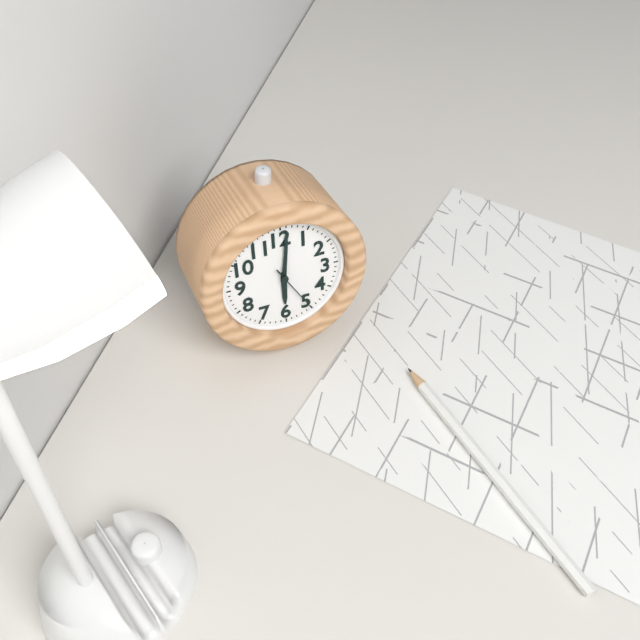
6,01
